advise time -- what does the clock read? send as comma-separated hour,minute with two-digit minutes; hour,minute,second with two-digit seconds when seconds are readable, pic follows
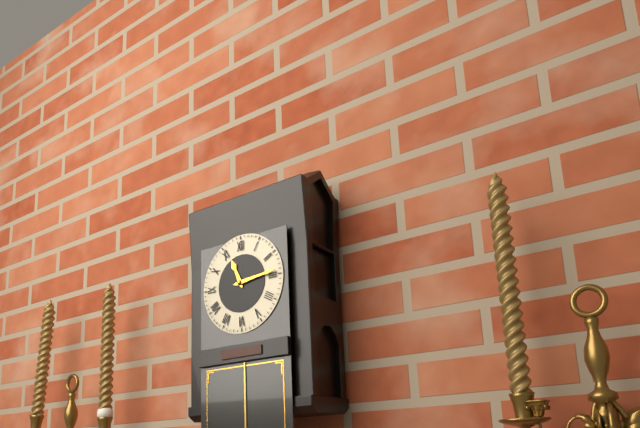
11,14
